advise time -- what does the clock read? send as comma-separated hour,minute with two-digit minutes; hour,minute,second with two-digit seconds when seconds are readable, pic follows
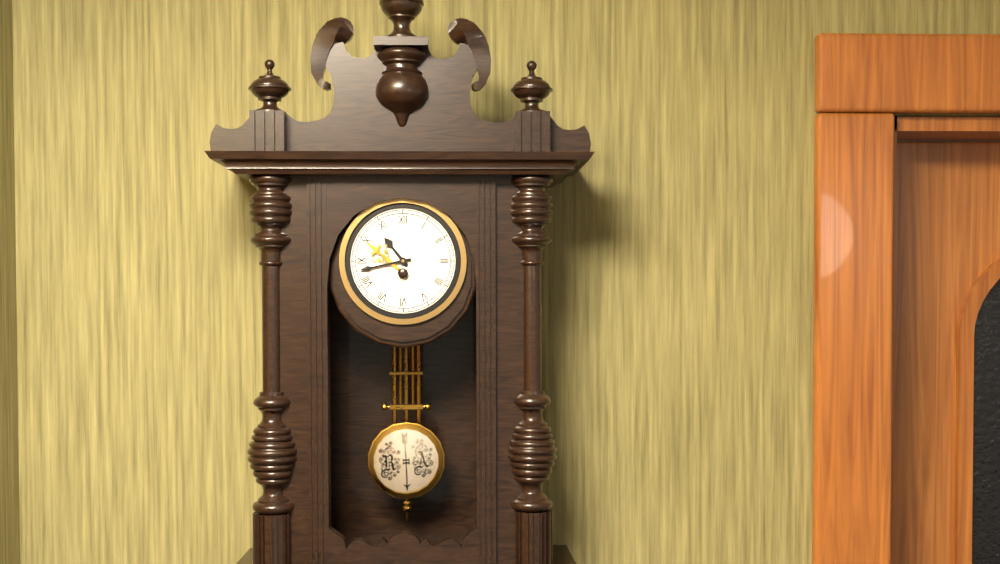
10,43
